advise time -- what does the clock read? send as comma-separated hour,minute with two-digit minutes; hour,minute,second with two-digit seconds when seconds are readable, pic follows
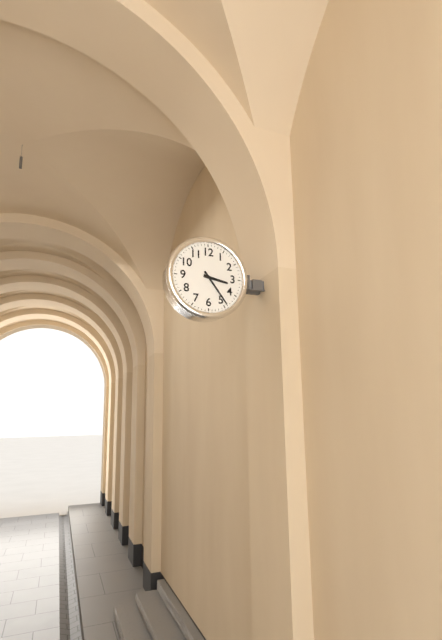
3,24
